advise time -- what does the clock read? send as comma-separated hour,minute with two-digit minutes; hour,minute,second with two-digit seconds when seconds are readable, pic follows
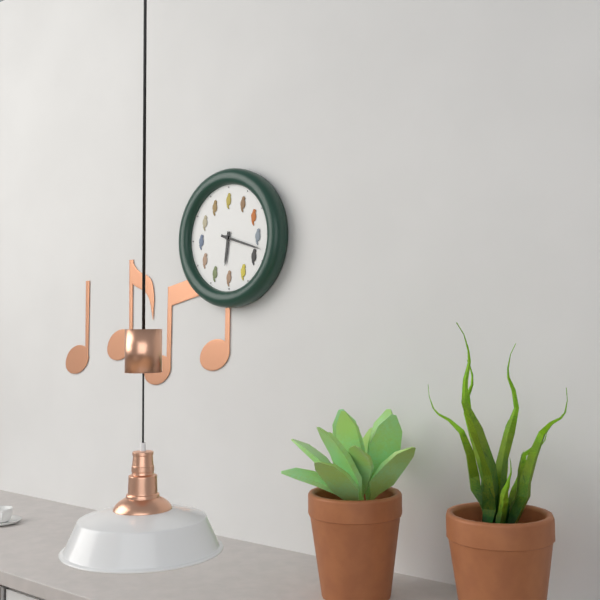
6,18
